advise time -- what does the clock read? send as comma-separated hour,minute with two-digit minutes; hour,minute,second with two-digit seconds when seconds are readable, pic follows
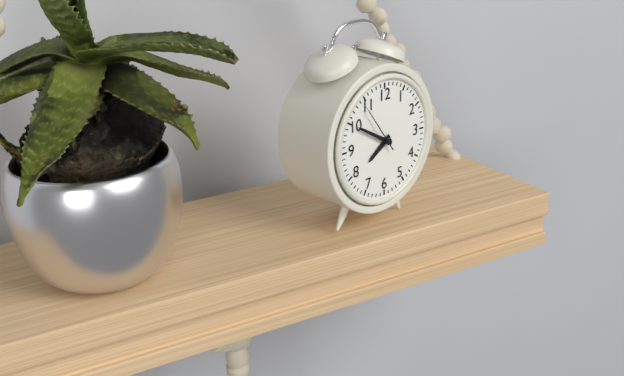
7,50
